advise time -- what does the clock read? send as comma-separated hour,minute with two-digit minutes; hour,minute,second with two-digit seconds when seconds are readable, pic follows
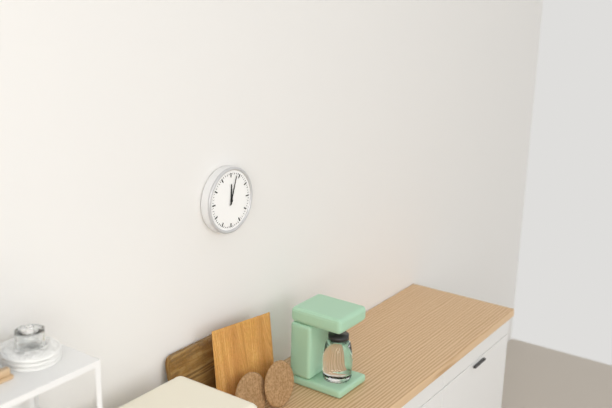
12,03
